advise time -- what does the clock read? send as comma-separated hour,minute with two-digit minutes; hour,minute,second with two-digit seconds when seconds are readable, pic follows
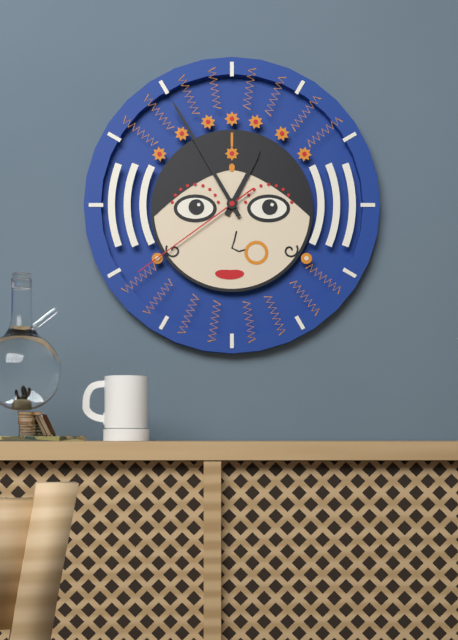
12,55,39
